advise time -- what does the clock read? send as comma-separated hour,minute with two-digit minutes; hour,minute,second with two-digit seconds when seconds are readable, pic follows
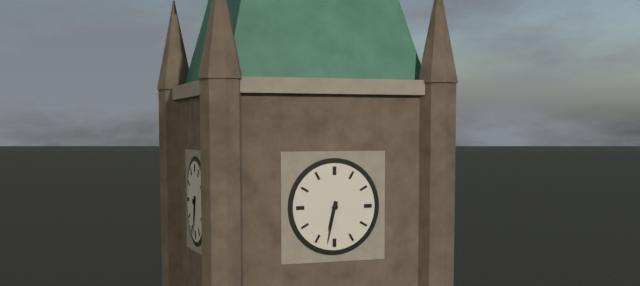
6,32
